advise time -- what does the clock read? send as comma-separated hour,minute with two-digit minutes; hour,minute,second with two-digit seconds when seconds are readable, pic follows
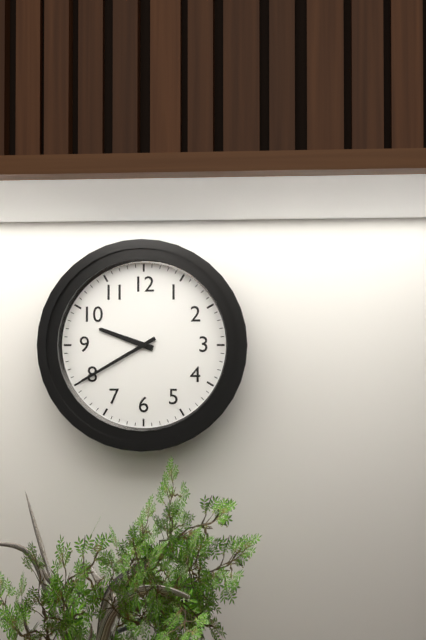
9,40
